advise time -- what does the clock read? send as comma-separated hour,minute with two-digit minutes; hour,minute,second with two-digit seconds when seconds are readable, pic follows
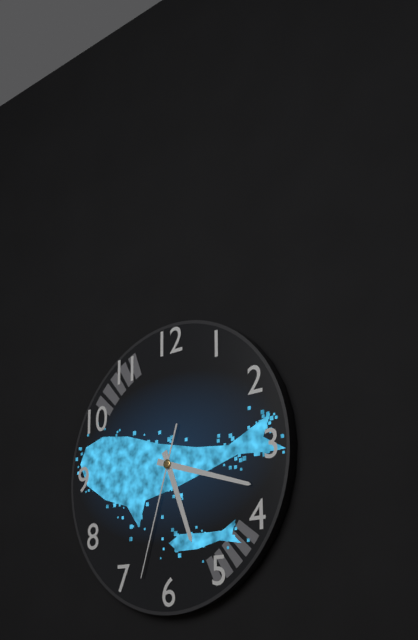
5,18,33
